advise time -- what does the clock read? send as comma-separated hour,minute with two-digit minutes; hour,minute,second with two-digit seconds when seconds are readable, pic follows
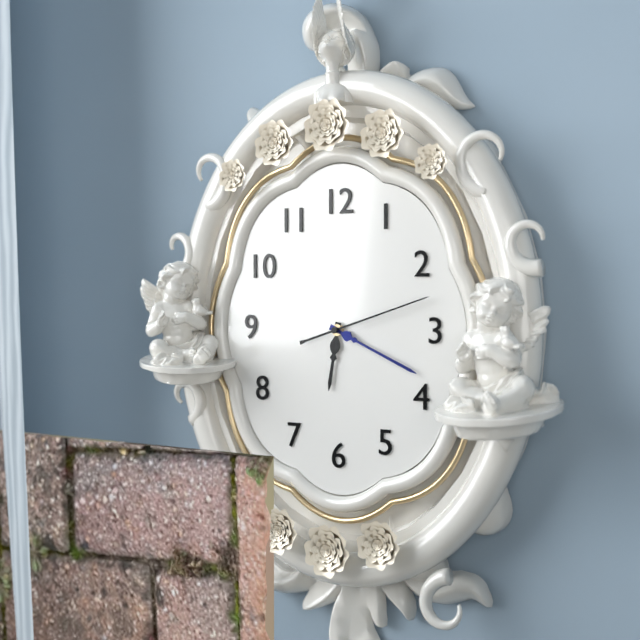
6,19,12
